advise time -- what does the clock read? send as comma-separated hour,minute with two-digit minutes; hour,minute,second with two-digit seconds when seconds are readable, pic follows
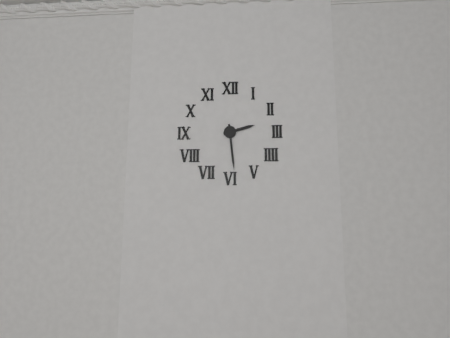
2,29
